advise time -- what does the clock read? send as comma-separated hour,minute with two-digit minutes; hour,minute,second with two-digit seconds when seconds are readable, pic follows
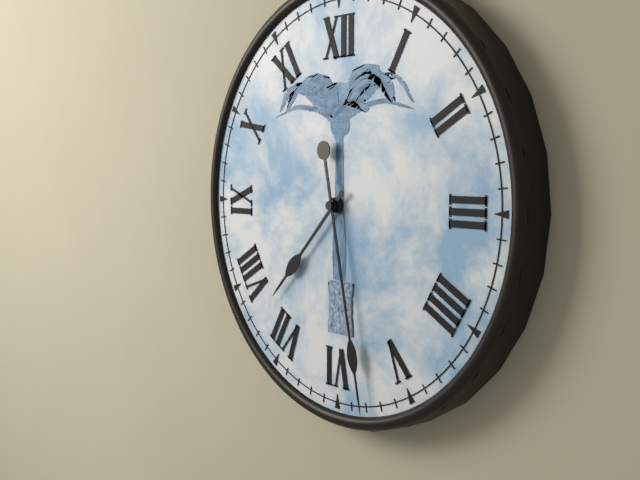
7,28
